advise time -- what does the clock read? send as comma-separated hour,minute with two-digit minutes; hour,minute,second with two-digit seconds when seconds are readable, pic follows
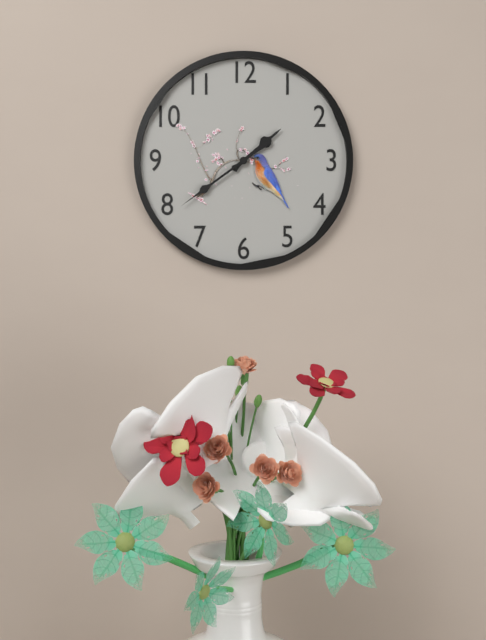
1,39
